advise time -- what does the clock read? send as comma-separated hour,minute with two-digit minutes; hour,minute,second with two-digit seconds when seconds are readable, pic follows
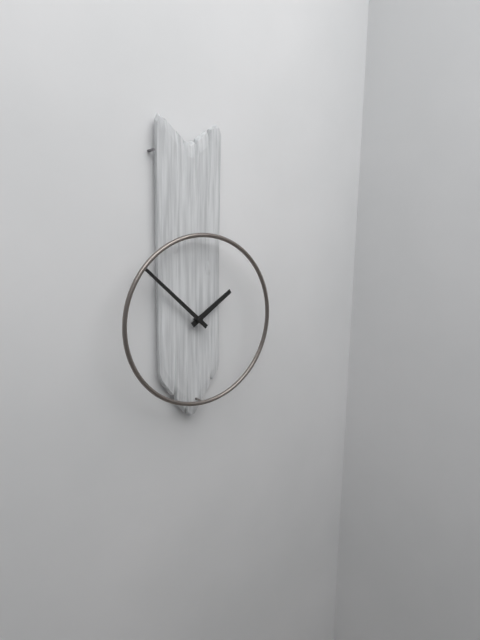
1,52
